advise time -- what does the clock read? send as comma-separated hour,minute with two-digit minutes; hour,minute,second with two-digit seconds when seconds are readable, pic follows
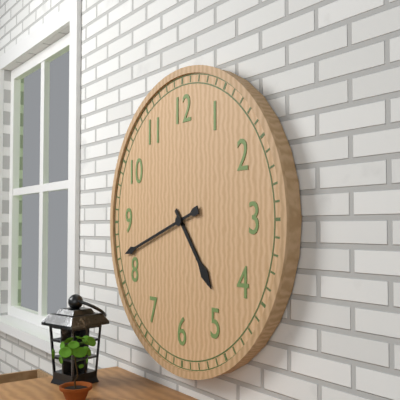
4,42
